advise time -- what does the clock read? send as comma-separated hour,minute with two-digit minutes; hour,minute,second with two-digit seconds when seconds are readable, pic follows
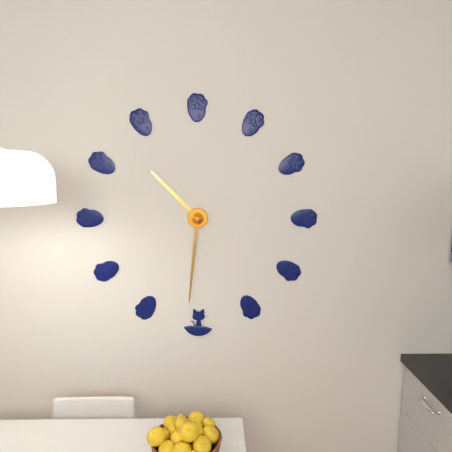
10,31
